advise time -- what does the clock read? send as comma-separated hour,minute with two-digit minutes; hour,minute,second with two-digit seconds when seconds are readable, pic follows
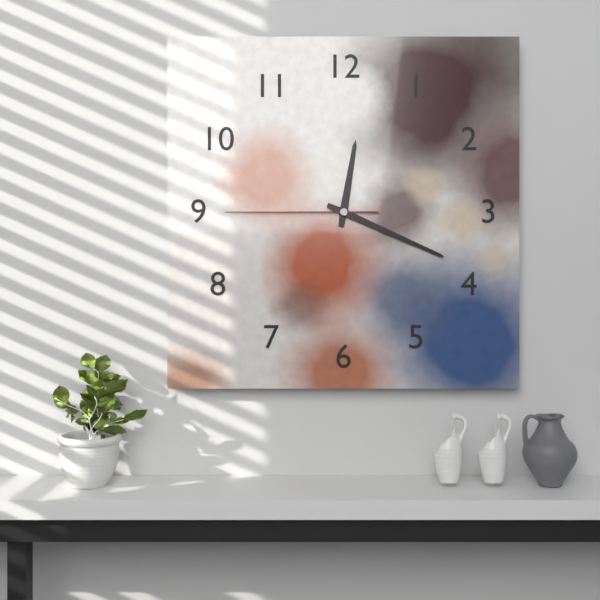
12,19,45
